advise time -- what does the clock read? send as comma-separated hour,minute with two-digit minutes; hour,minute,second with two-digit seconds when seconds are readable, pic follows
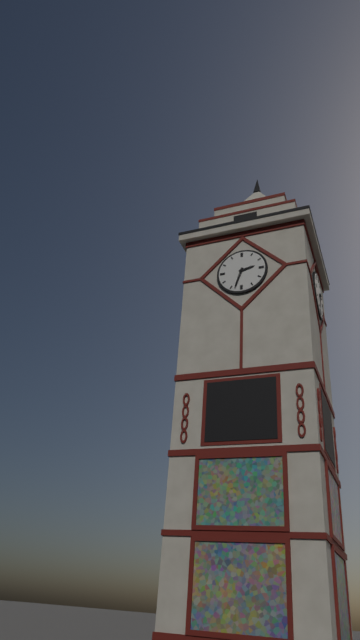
2,33
